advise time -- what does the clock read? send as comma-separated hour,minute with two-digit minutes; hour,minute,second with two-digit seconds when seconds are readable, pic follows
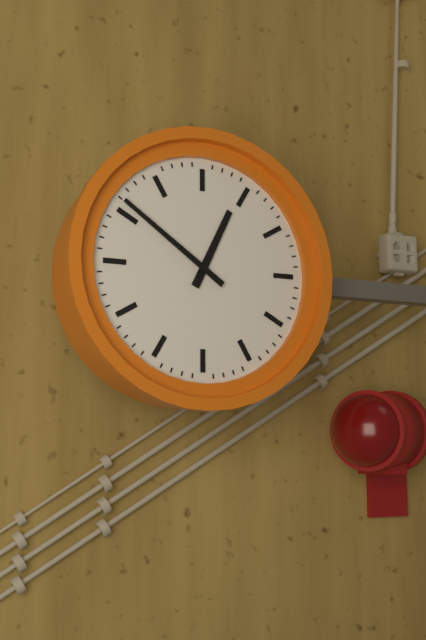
12,51
